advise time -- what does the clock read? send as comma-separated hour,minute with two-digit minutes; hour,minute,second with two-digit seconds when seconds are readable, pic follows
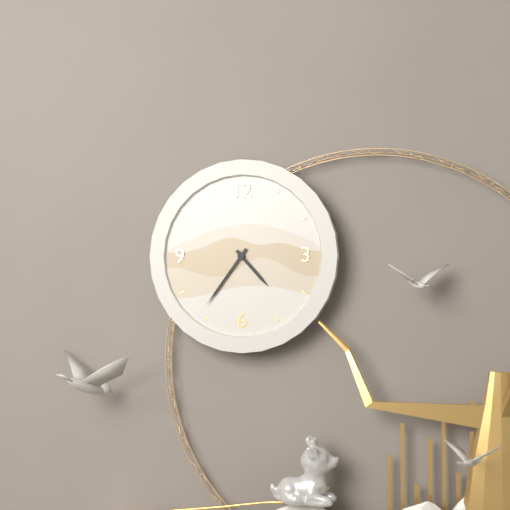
4,36
